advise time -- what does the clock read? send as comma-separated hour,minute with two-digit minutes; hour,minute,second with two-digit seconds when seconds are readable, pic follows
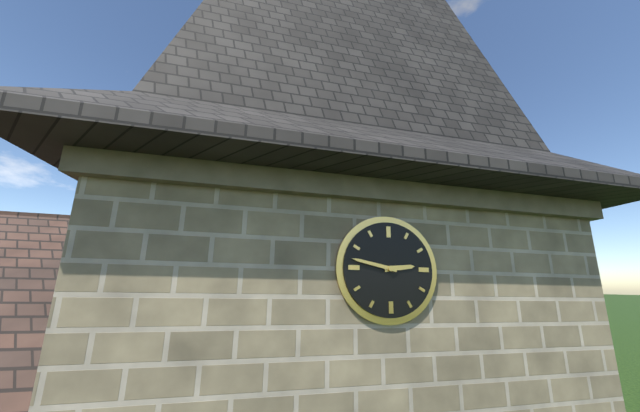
2,47
